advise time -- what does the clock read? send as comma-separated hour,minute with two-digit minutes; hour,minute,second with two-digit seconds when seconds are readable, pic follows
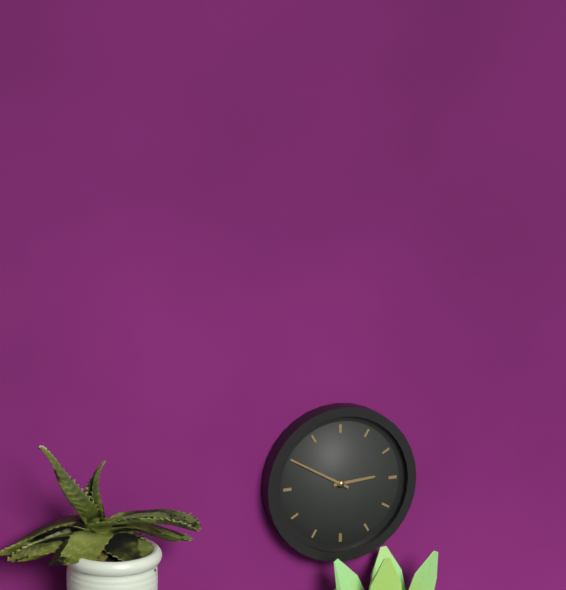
2,50
